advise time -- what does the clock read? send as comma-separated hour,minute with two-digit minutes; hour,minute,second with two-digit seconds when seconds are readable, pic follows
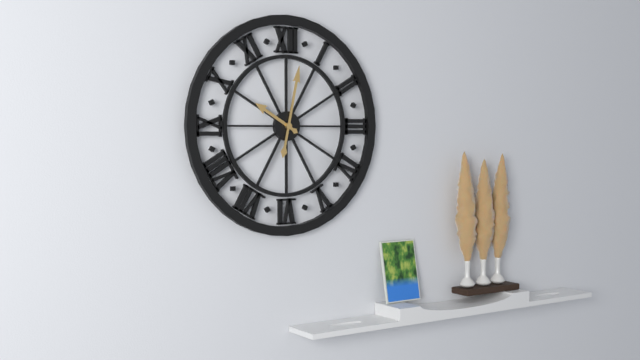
10,02
